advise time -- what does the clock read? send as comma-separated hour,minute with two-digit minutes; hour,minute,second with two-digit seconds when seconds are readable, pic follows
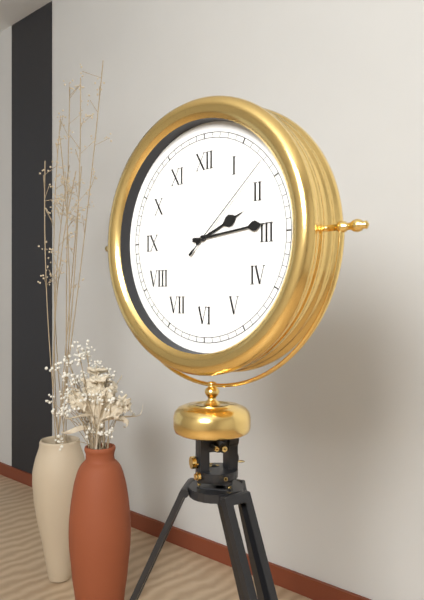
2,14,08
